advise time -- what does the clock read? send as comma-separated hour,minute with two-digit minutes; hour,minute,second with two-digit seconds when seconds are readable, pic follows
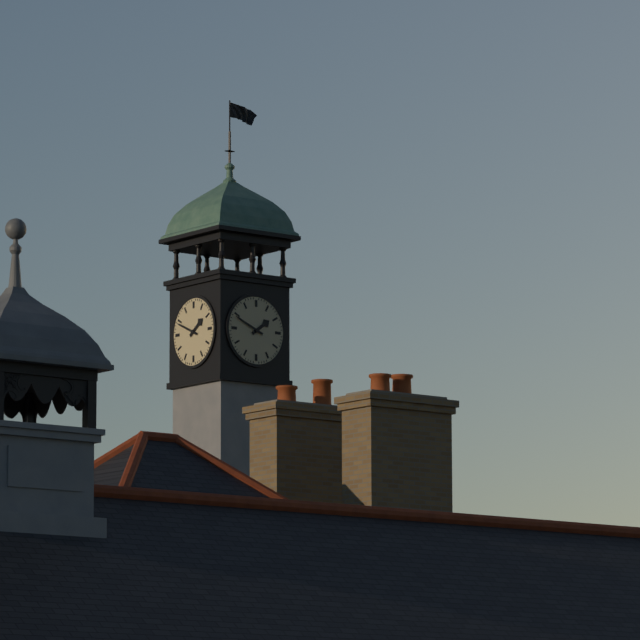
1,49
